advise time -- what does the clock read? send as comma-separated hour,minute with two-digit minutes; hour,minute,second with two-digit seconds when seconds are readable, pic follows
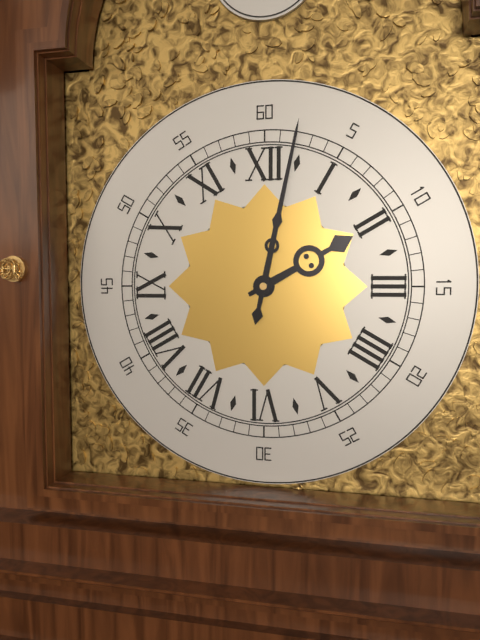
2,02
